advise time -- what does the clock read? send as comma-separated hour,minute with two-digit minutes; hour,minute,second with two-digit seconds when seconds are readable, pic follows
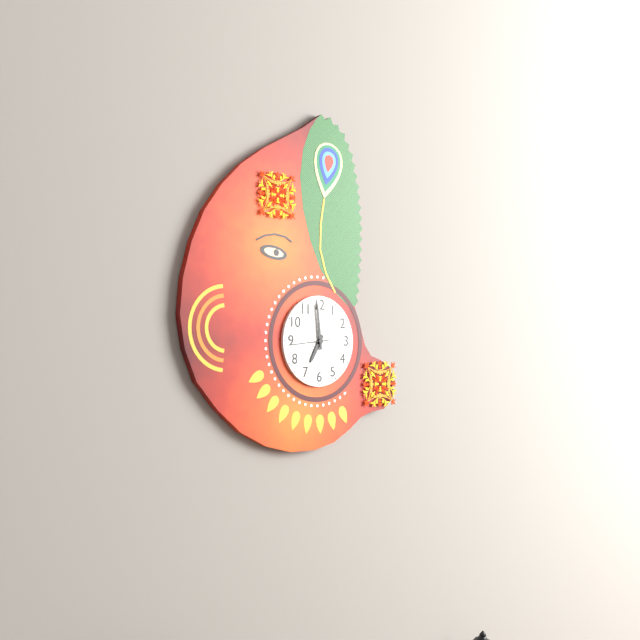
6,59
